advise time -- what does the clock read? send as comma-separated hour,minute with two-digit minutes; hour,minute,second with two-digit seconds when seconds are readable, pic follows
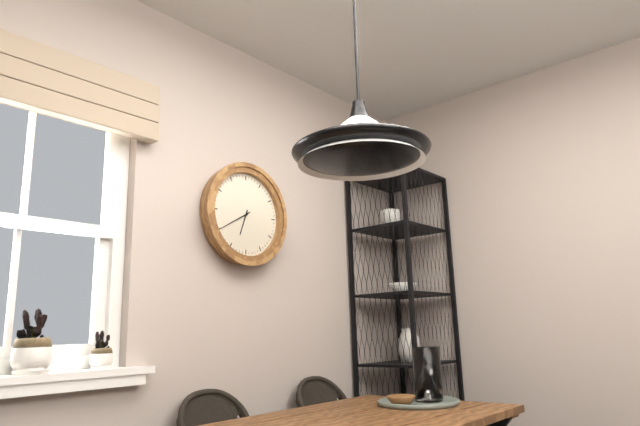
6,40
